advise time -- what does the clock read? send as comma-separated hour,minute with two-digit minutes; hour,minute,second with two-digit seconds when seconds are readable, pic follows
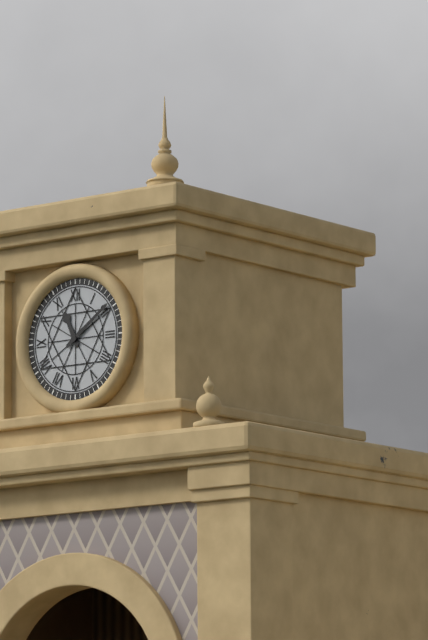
11,09
